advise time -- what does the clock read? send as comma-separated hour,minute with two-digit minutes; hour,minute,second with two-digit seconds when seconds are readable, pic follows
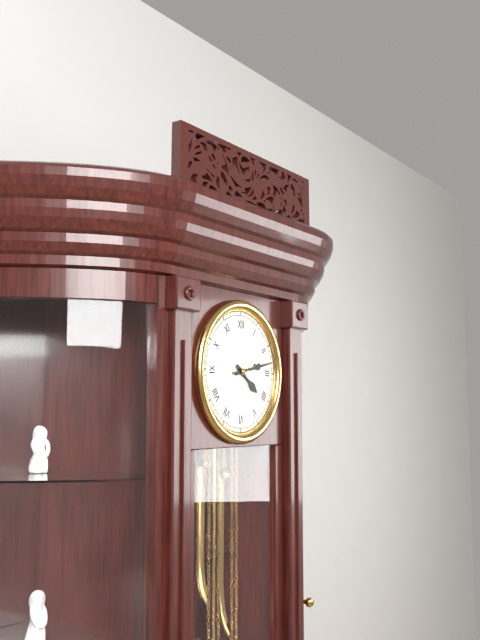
4,13
